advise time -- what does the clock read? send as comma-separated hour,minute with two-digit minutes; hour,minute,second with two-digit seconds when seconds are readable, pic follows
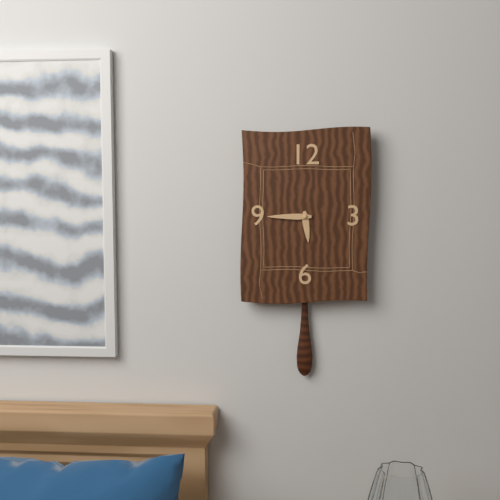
5,45
